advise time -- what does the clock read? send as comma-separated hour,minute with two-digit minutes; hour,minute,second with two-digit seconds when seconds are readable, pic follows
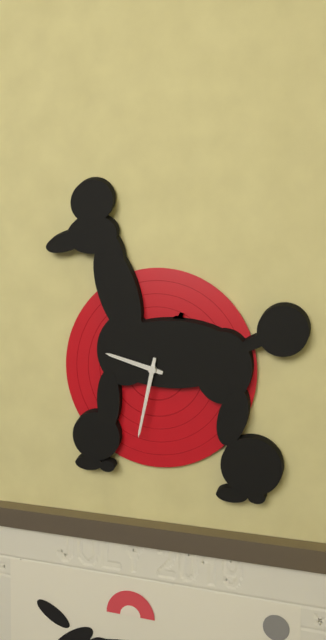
9,32
